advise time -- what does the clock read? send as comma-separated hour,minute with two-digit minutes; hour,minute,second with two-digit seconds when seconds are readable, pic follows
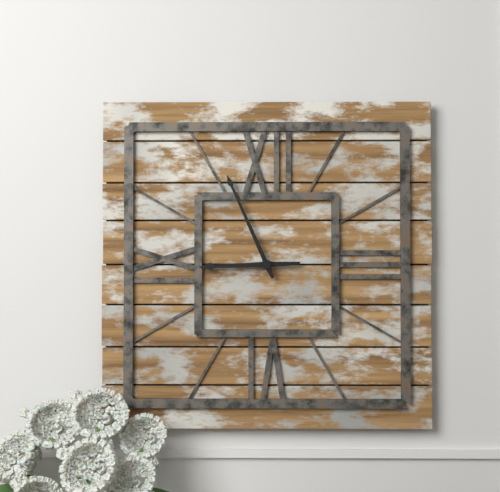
8,56
